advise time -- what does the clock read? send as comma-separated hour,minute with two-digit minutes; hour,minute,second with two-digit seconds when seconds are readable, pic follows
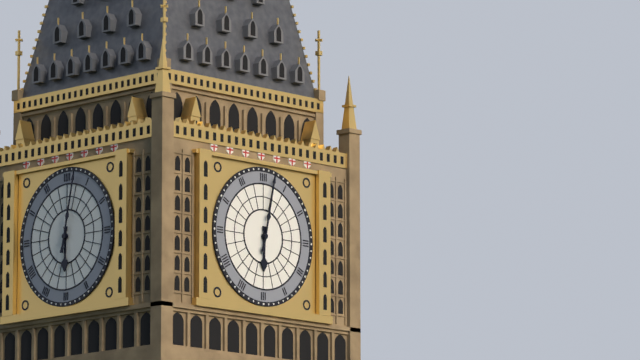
6,02
